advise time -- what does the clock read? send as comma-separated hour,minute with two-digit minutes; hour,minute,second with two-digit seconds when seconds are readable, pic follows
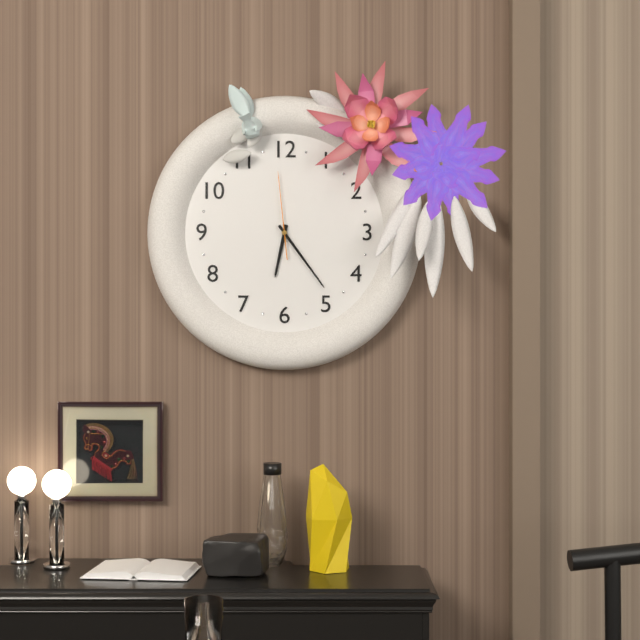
6,24,59
